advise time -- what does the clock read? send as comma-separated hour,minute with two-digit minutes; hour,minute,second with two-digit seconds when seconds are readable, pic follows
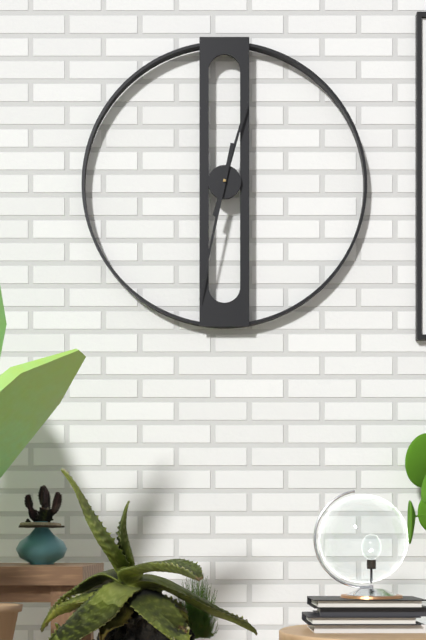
12,32
